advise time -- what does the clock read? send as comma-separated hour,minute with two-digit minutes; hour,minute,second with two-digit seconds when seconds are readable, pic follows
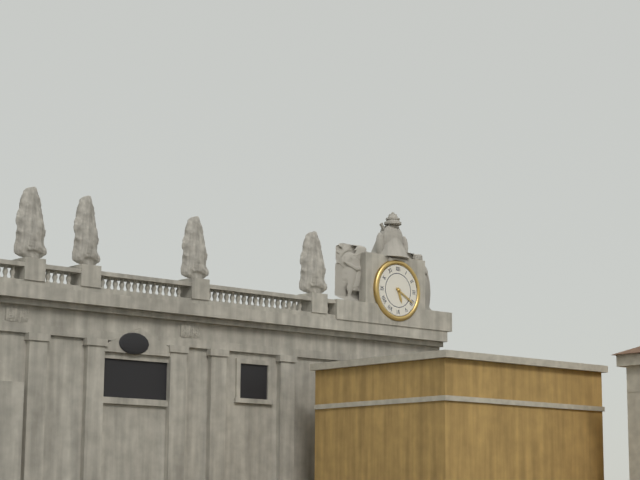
5,20
